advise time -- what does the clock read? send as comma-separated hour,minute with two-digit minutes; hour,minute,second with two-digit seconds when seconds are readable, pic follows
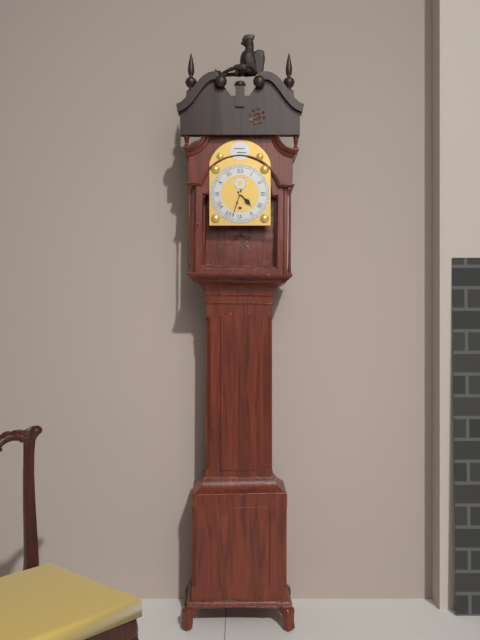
4,33
